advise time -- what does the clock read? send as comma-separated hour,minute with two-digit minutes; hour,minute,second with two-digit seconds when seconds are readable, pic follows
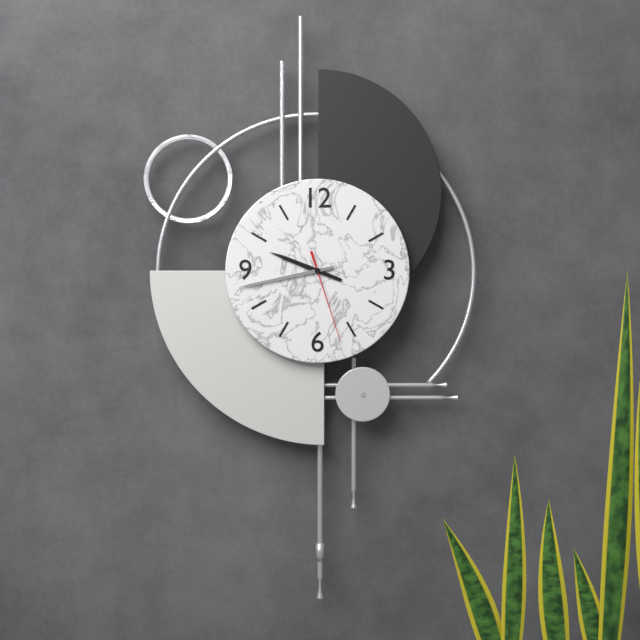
9,43,27
